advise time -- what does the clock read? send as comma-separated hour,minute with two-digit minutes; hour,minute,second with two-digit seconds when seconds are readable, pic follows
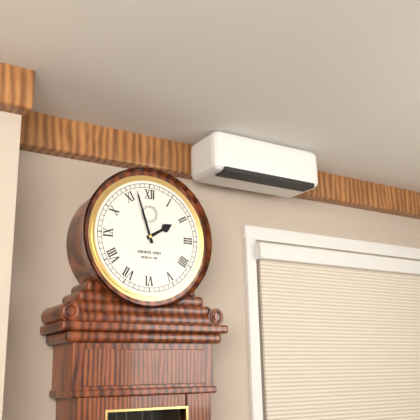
1,57
